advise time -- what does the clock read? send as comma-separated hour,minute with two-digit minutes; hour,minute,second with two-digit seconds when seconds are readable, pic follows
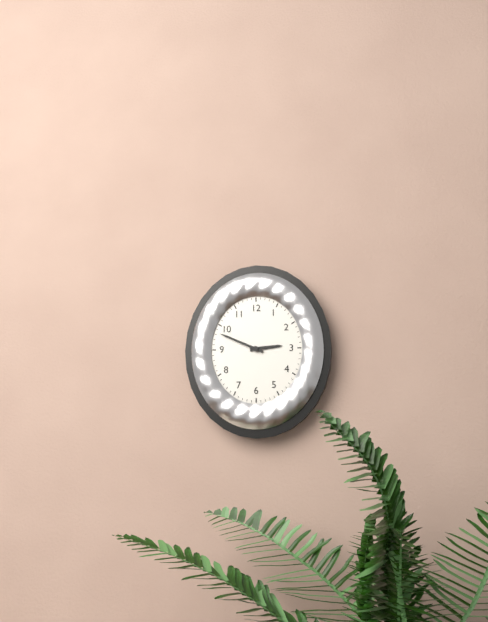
2,49
